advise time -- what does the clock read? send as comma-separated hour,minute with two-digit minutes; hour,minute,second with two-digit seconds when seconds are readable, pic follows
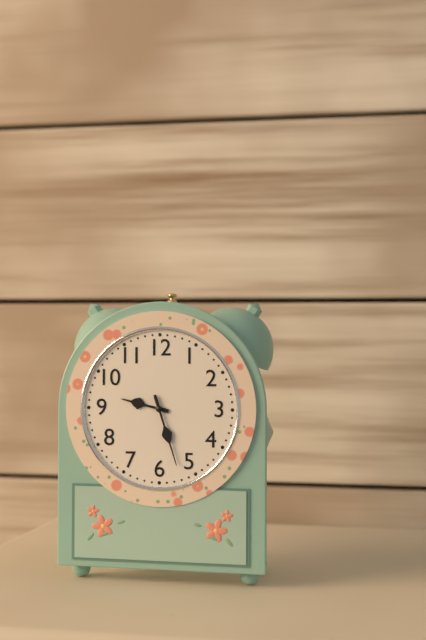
9,27
